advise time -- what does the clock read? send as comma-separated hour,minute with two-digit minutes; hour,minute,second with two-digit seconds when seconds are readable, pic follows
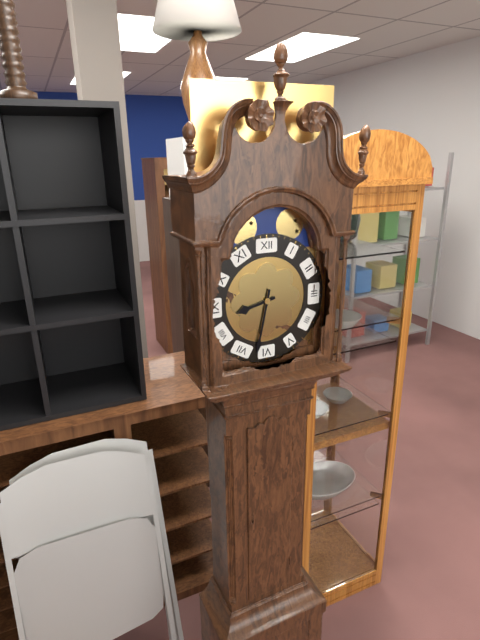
8,32
